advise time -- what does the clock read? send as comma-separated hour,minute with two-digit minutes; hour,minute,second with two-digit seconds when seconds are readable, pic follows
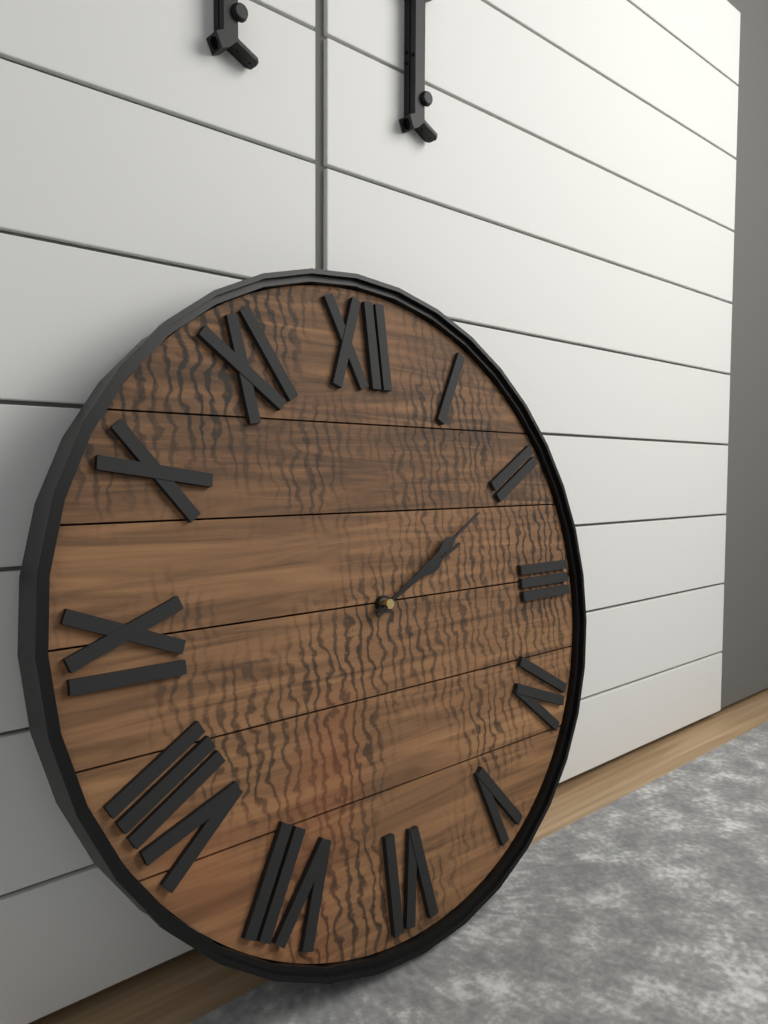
2,10
